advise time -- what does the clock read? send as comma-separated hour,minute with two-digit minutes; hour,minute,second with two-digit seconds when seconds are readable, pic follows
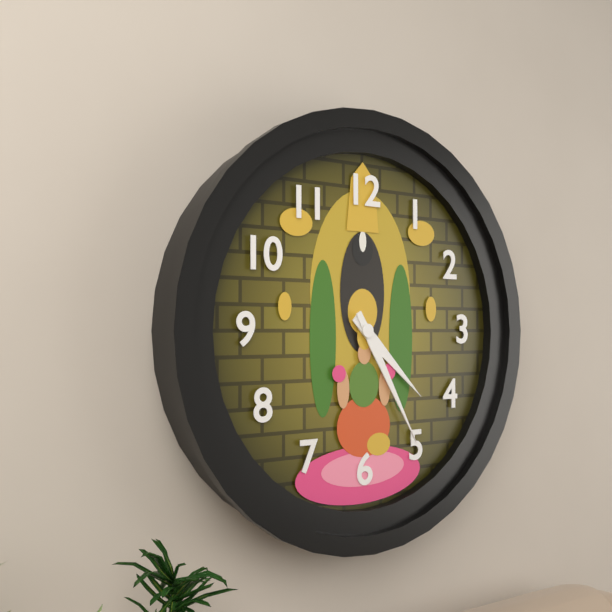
4,25
